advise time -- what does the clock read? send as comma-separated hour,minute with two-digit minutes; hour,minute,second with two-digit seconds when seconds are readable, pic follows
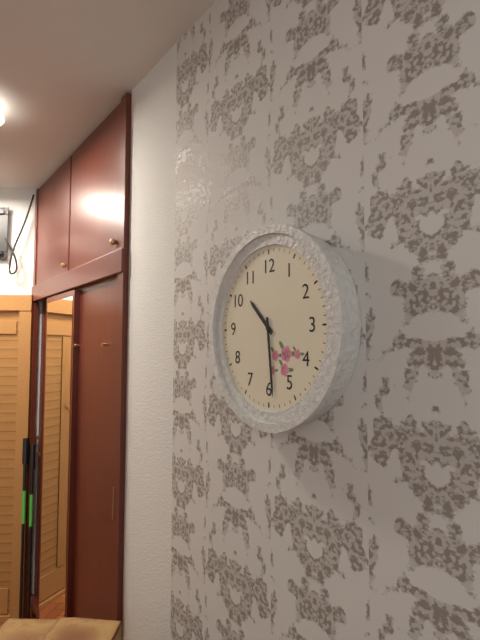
10,29
